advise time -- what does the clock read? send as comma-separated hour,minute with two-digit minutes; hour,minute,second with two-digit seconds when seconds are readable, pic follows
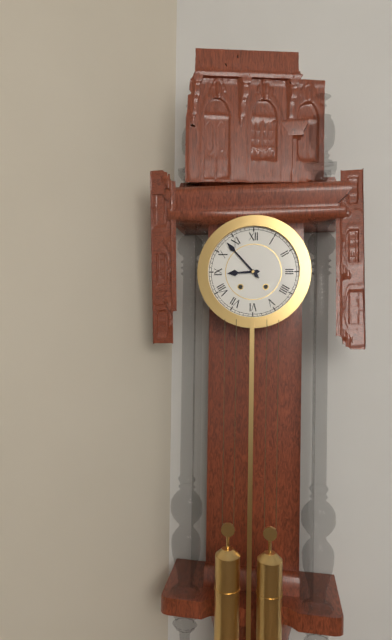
8,53
